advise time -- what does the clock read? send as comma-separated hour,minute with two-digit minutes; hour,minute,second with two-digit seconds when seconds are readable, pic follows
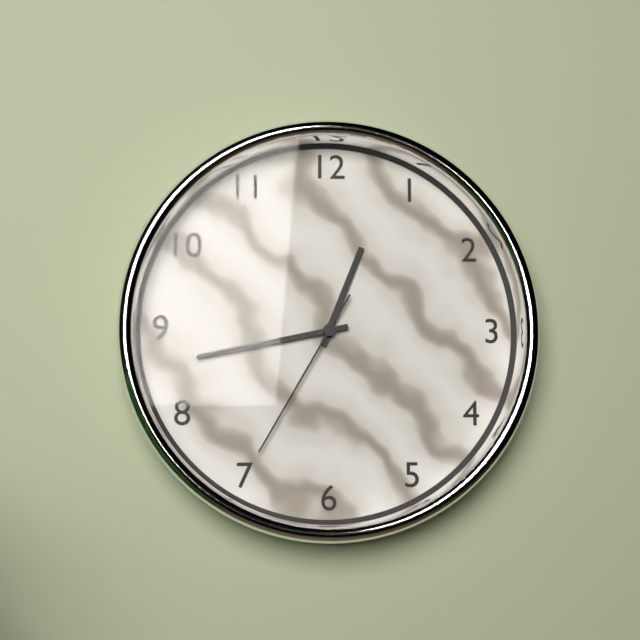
12,43,35
